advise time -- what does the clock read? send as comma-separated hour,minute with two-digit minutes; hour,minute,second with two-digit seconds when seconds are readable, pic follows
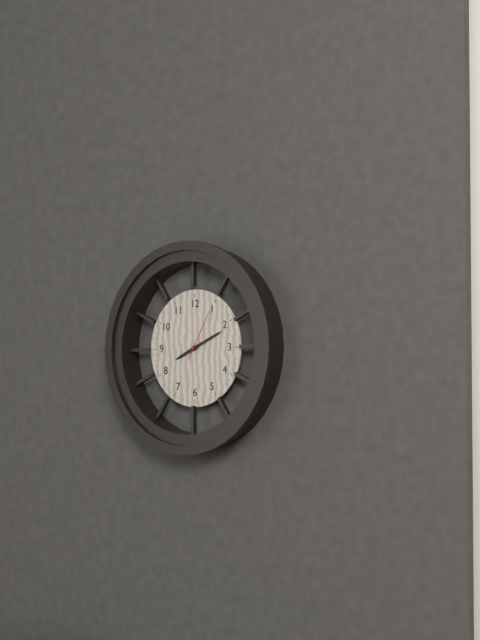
8,11,05
